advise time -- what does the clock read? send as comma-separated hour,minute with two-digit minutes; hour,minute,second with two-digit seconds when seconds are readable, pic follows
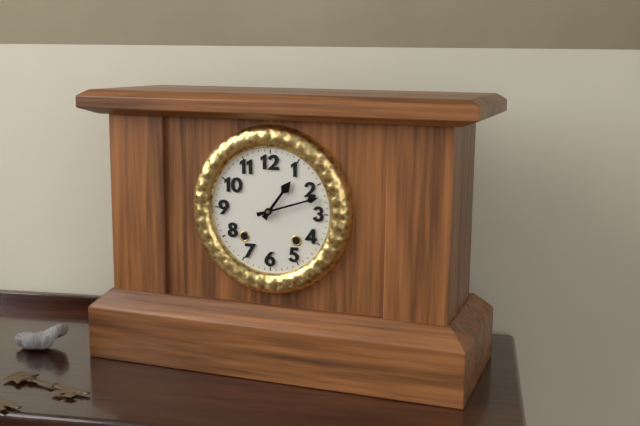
1,12
